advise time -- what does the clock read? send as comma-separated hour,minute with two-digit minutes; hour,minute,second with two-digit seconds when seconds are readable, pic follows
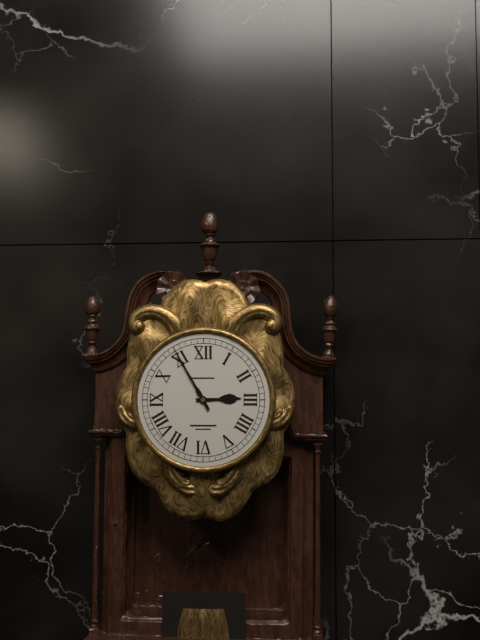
2,55
